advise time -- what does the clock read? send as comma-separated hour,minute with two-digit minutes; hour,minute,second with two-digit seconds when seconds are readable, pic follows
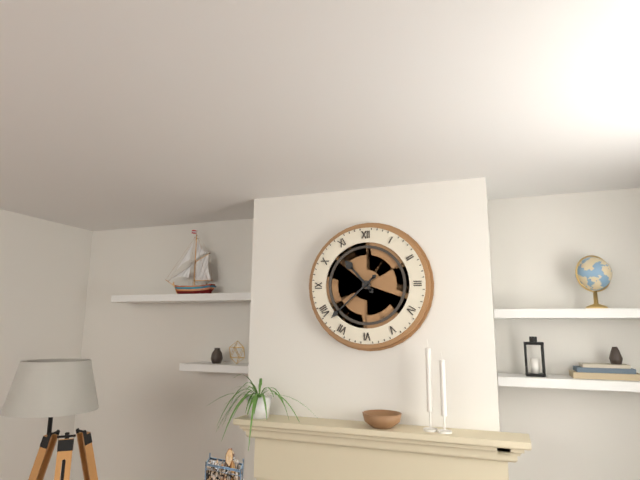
10,38
